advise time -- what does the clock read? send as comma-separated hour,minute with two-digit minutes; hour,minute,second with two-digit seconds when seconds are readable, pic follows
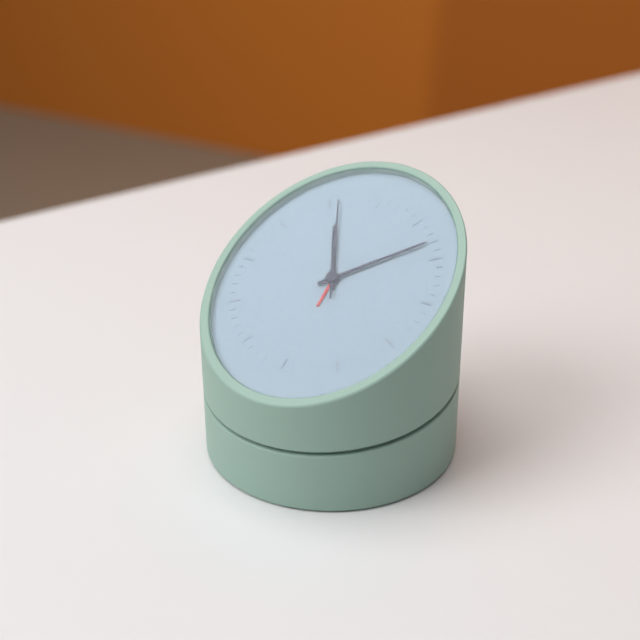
11,08,56
